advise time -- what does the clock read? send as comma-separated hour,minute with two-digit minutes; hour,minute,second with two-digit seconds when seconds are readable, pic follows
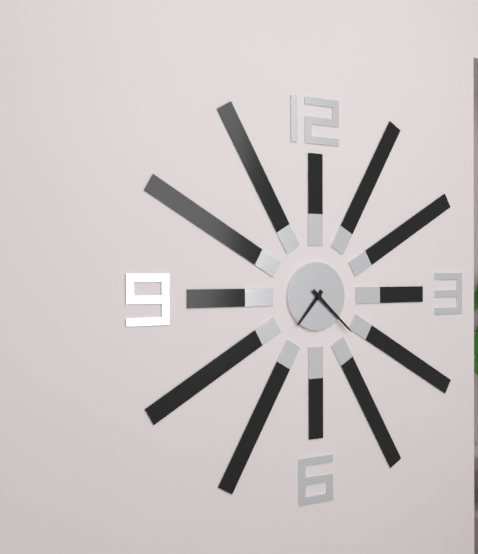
7,22
